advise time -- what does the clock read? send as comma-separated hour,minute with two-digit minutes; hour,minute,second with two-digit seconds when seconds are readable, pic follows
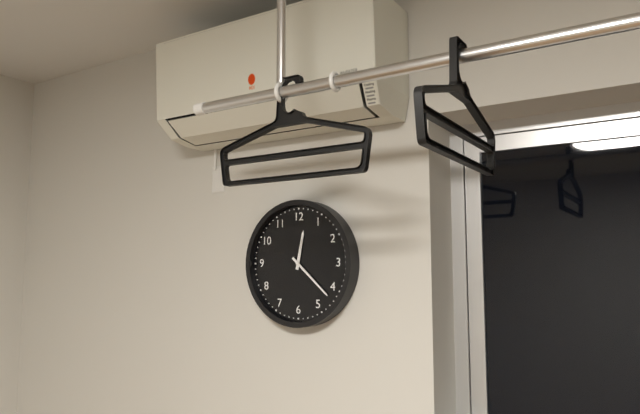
12,22
